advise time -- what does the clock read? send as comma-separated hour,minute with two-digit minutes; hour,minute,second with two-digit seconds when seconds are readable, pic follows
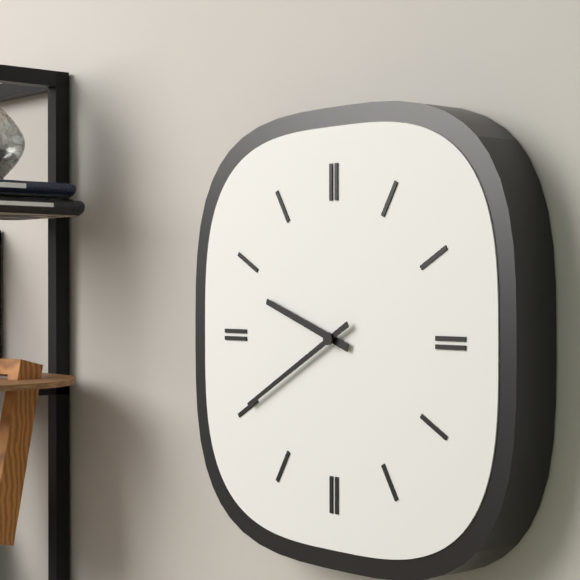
9,40
